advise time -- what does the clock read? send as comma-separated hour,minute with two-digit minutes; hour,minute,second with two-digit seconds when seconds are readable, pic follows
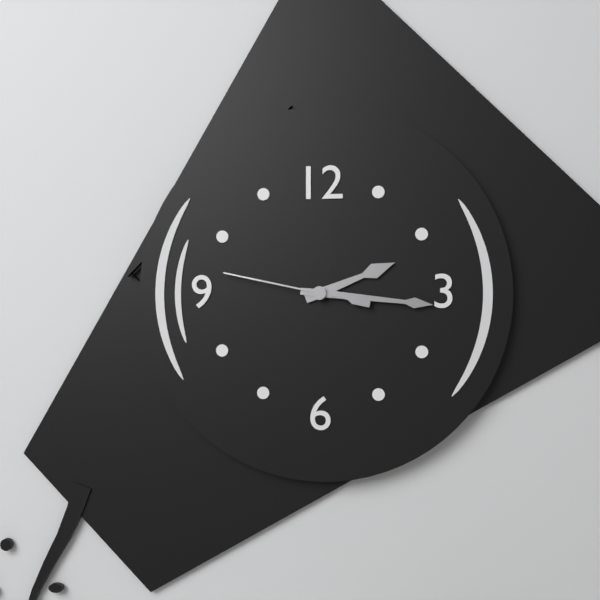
2,16,47
